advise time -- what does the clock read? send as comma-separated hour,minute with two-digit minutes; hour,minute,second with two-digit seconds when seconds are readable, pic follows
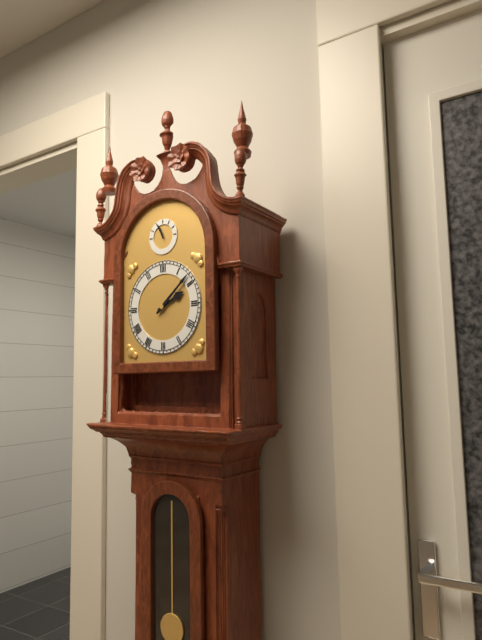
2,08
